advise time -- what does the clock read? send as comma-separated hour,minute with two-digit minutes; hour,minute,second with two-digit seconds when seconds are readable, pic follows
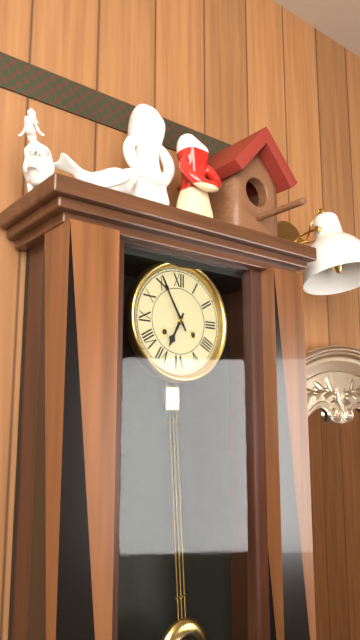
6,55
